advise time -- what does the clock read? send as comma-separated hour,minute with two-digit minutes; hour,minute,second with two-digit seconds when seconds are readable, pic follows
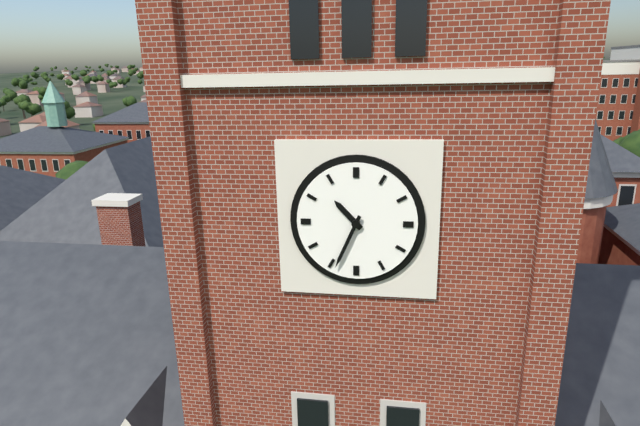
10,34
